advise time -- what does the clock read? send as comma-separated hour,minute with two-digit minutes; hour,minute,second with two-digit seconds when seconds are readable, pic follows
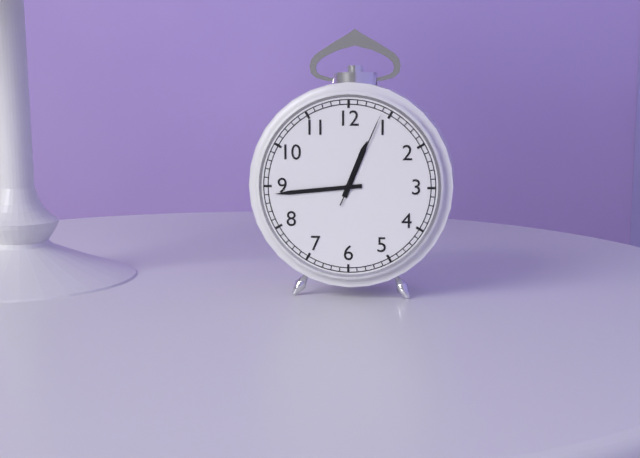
12,44,04
